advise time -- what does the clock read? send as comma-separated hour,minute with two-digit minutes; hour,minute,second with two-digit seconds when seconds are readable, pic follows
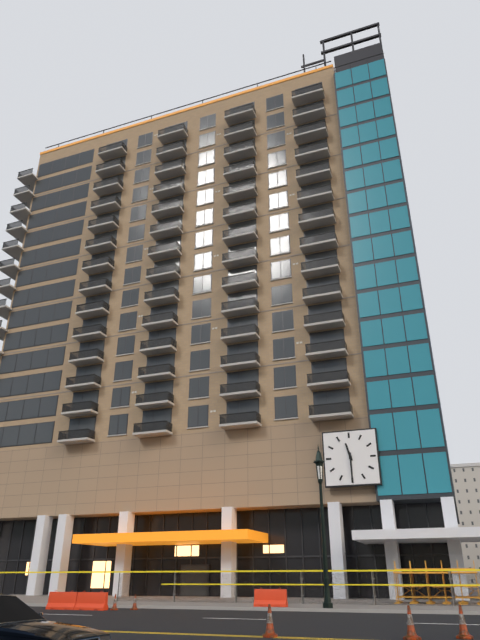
11,30
